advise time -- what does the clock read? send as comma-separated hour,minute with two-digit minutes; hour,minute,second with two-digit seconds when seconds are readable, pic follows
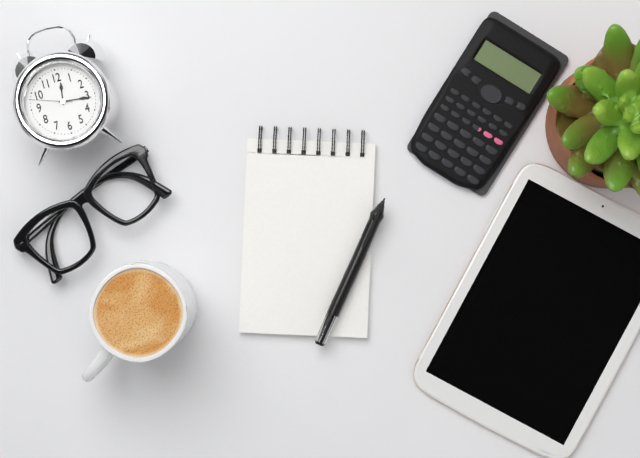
12,16
